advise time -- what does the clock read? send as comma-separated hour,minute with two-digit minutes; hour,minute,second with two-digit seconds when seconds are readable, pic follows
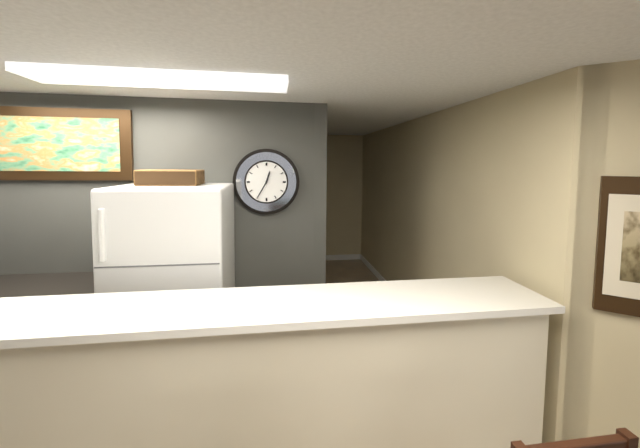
12,35
